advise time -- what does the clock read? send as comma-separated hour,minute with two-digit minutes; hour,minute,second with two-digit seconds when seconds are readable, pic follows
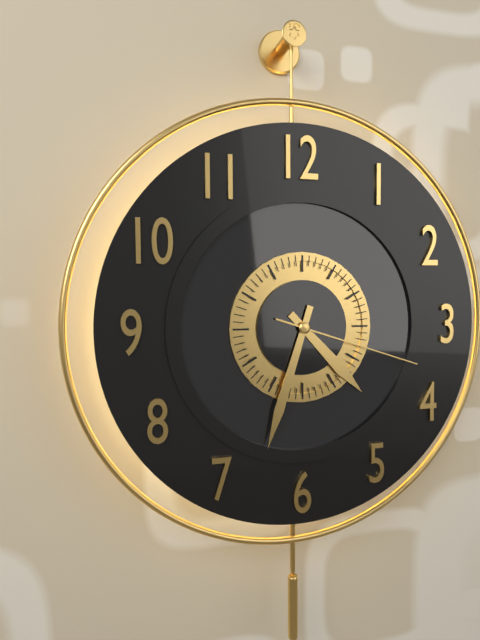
4,33,18
